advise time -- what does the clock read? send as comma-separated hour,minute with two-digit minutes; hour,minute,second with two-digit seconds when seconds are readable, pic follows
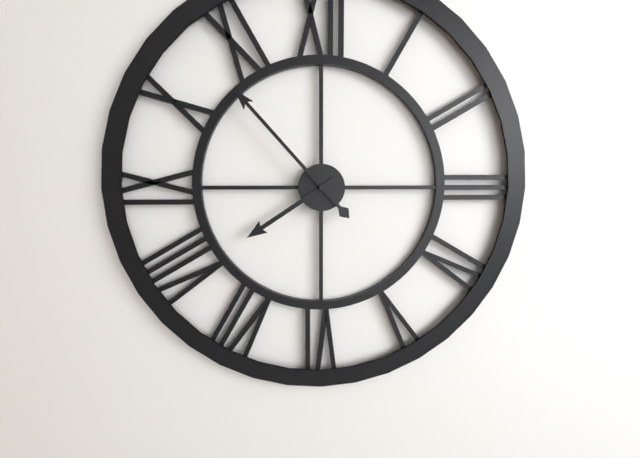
7,53
